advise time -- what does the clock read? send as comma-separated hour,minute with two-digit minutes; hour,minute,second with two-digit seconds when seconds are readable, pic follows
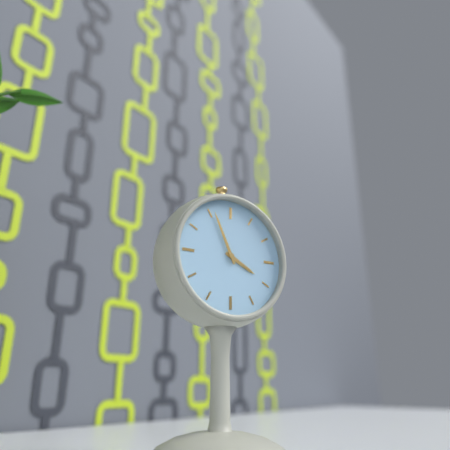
3,56
